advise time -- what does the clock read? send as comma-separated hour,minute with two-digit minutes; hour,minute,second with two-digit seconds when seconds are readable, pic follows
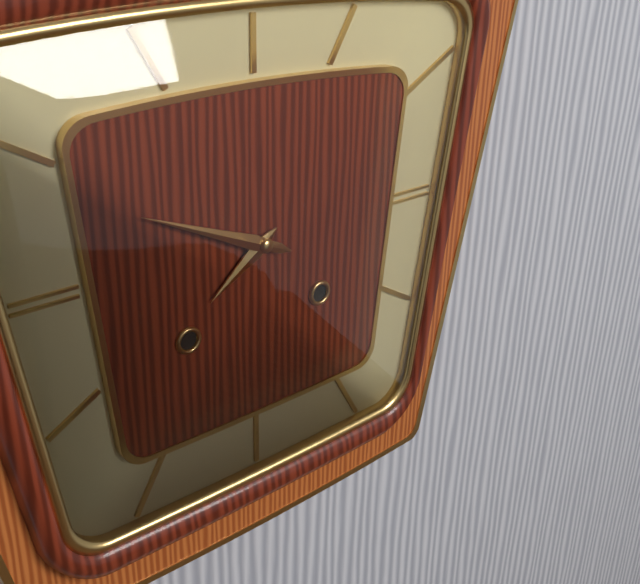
7,49
